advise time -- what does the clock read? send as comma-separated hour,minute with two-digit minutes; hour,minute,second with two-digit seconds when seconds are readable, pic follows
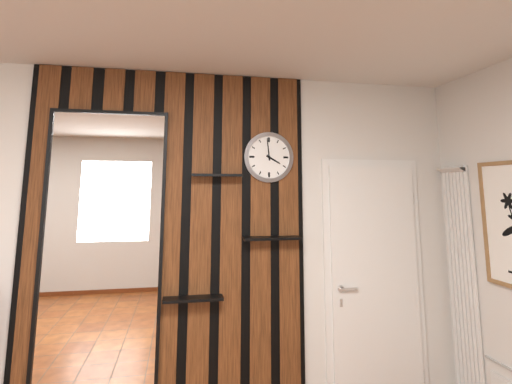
3,59
